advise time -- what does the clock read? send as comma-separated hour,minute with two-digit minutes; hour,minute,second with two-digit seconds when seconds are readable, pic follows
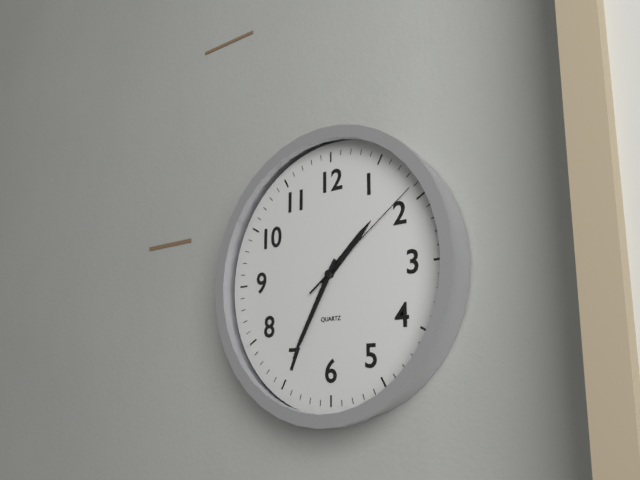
1,35,09
